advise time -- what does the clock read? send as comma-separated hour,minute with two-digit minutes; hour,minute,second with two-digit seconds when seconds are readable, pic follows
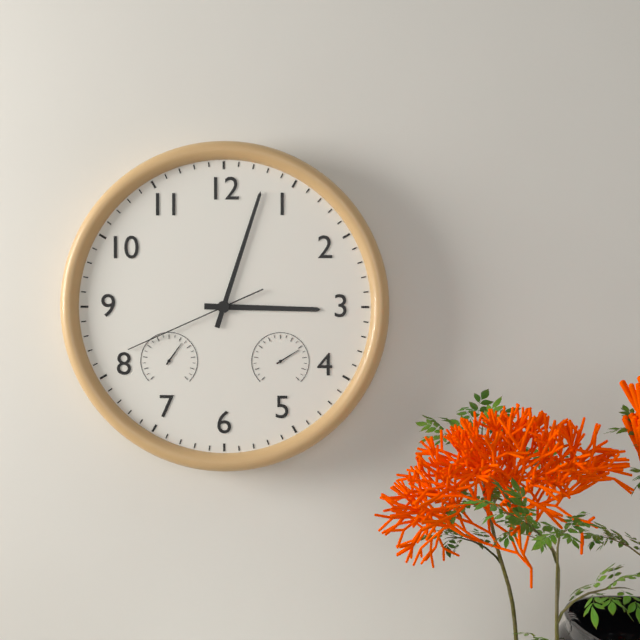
3,03,41
